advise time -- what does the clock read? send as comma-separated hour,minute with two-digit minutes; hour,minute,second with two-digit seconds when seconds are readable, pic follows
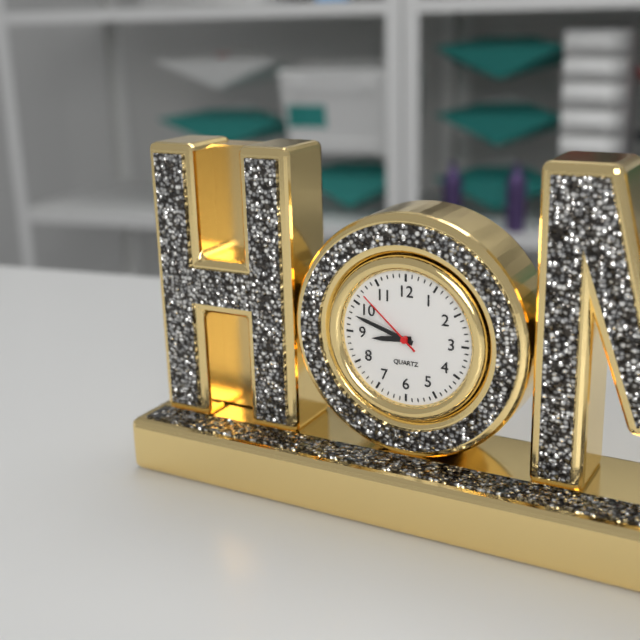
8,48,52
